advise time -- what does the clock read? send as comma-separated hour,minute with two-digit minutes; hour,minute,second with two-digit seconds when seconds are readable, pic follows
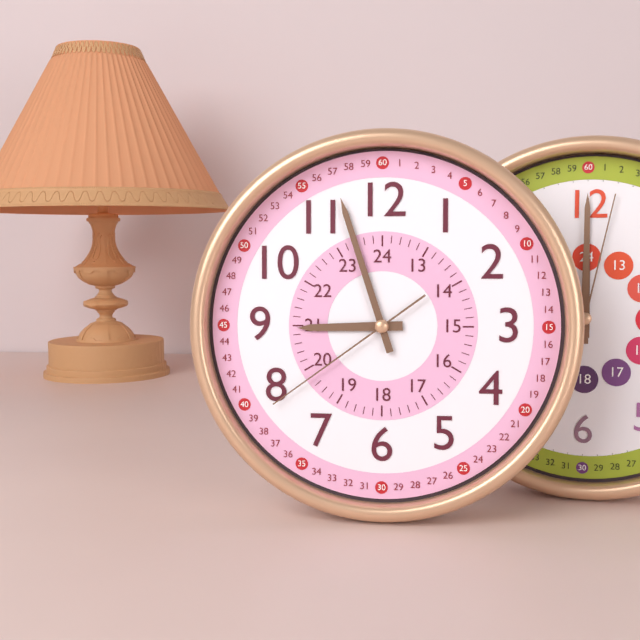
8,57,39
